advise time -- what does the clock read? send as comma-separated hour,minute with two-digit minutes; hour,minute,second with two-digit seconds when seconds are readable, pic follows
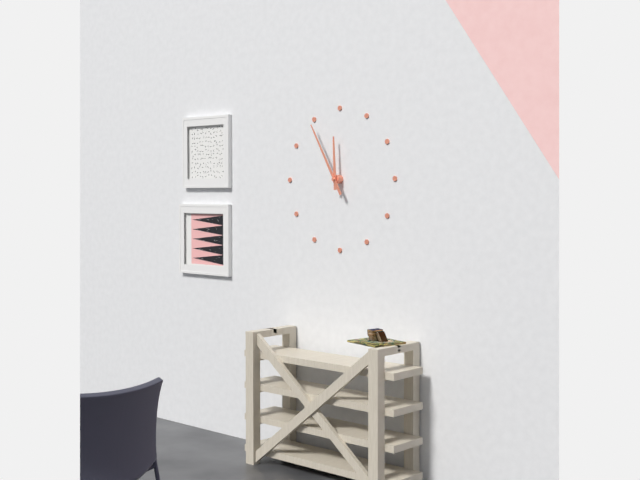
11,55
